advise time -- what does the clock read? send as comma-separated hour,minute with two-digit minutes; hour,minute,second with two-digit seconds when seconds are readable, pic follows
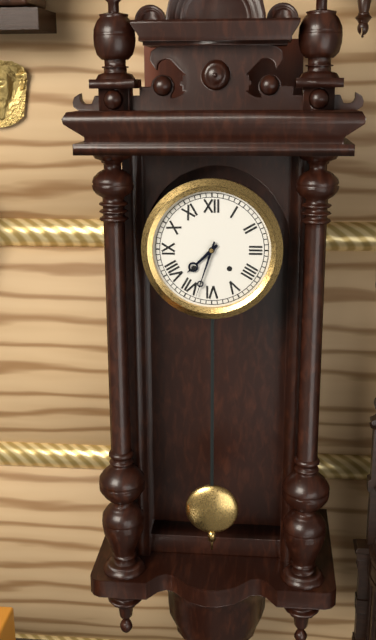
7,33
